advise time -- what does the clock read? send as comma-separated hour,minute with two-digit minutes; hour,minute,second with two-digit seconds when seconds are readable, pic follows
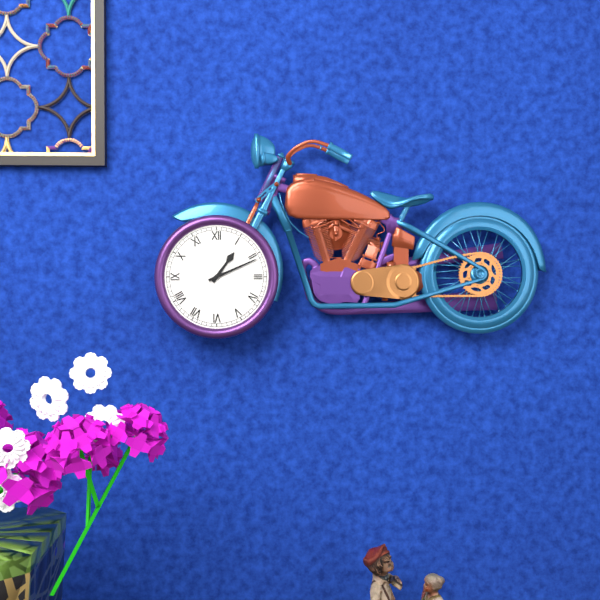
1,11
